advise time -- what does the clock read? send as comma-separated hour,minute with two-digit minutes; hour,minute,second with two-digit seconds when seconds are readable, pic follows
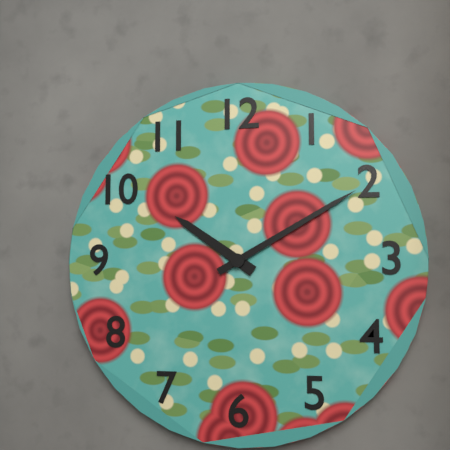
10,10
